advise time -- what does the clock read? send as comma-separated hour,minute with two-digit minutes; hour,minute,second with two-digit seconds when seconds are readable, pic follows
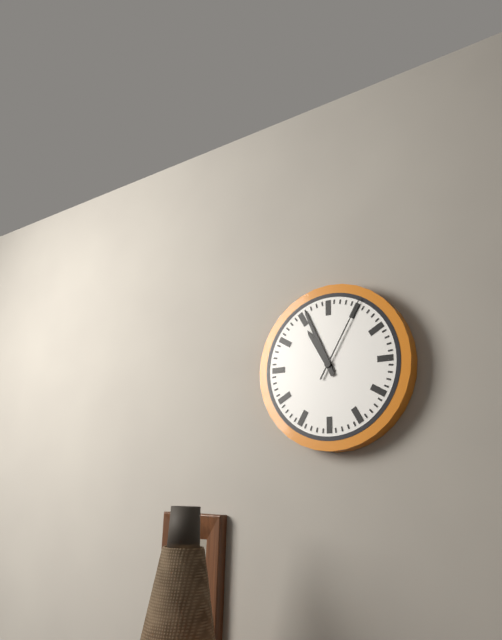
10,56,05
